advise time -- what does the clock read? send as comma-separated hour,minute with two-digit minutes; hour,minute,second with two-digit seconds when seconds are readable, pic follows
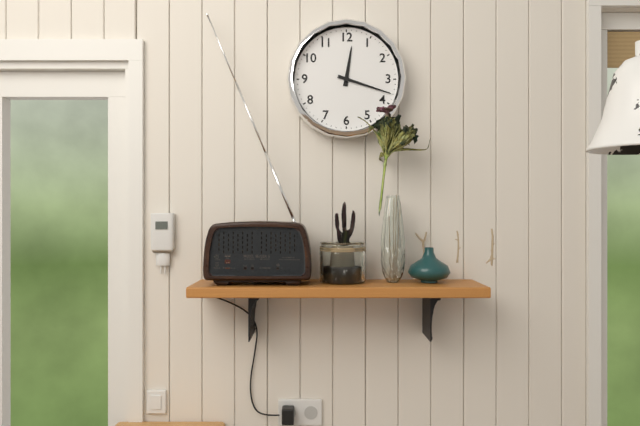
12,18
